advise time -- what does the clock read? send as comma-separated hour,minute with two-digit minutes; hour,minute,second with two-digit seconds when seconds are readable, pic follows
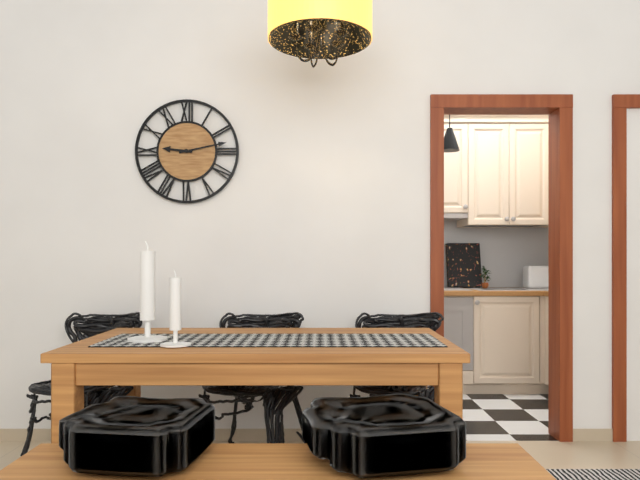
9,13
